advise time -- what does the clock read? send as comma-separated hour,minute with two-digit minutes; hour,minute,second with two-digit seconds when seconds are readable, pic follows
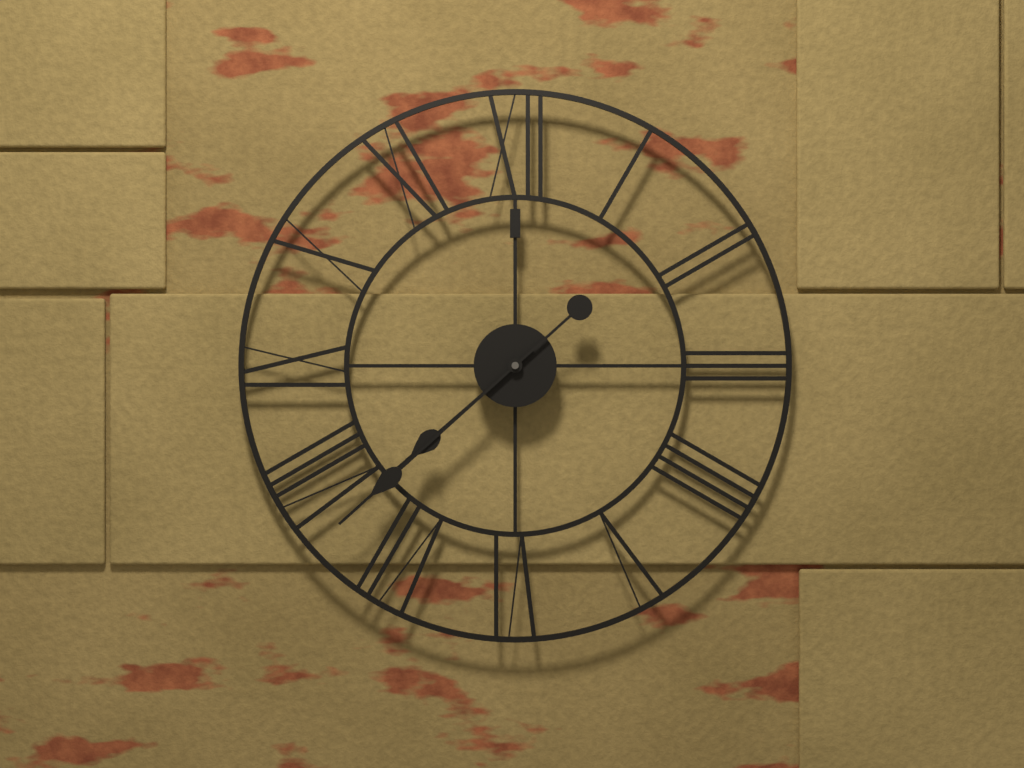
7,38
